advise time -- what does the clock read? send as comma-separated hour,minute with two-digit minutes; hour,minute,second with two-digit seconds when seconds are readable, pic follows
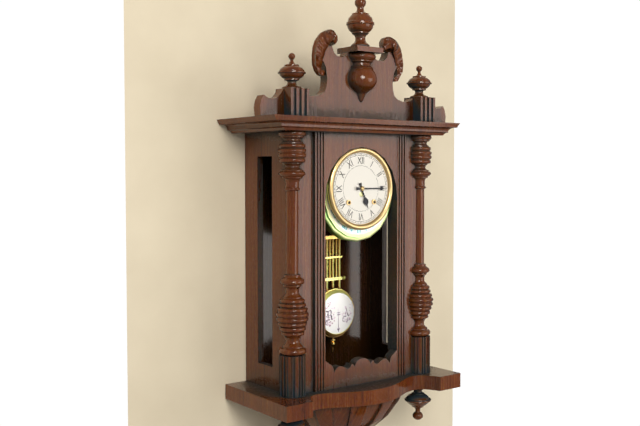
5,15
